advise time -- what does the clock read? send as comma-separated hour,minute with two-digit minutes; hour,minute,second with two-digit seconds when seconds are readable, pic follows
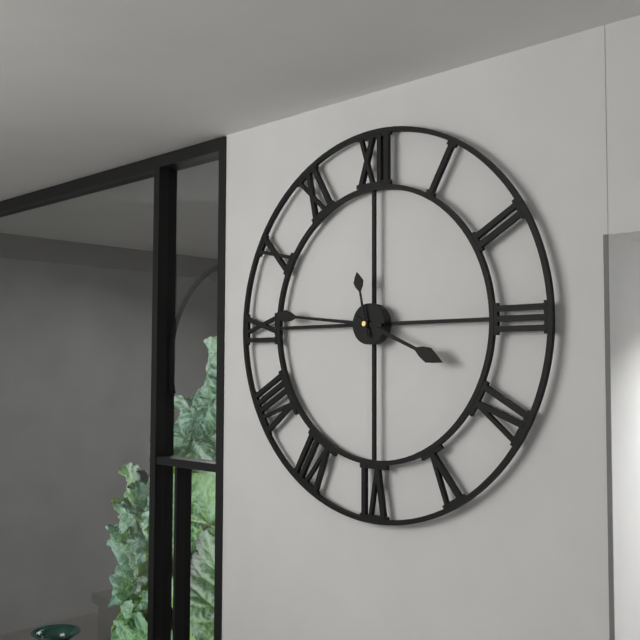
3,46,58
